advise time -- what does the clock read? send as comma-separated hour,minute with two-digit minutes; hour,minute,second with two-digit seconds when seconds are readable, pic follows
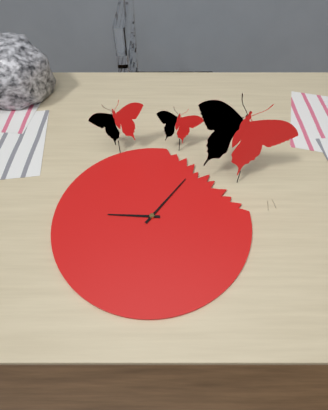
9,06
